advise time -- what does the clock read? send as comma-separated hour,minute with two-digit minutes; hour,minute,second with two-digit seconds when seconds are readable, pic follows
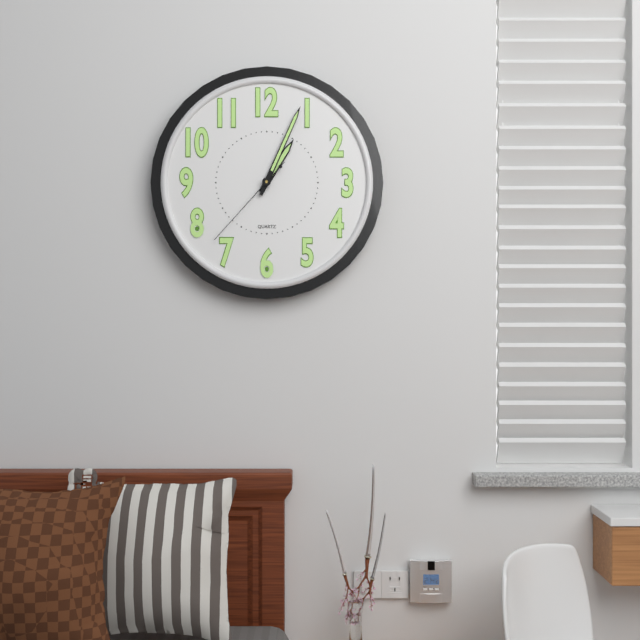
1,04,37
